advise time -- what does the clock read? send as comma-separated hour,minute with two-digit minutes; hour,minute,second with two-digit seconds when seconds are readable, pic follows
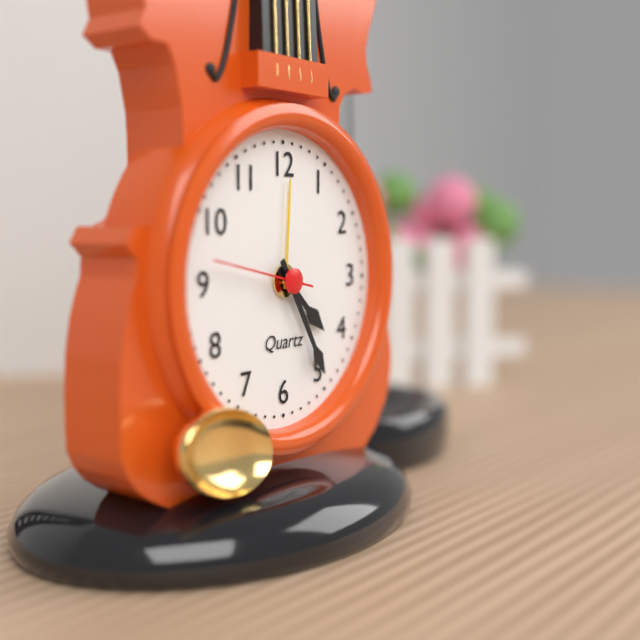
4,25,47
